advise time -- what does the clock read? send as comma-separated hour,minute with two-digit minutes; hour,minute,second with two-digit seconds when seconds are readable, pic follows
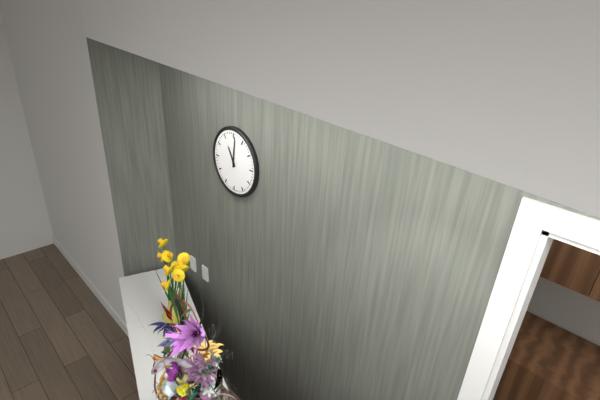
11,01
